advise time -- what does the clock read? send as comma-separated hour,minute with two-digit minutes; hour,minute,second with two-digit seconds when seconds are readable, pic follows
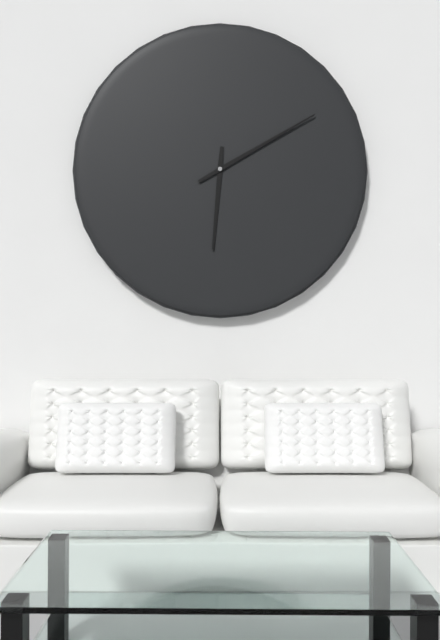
6,10
